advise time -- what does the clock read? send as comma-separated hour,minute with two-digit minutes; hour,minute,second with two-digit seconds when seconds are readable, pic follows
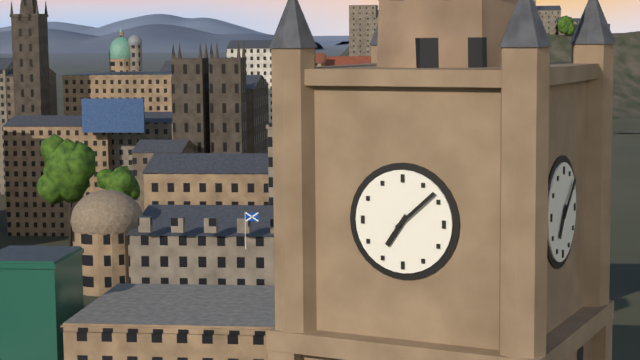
7,08
